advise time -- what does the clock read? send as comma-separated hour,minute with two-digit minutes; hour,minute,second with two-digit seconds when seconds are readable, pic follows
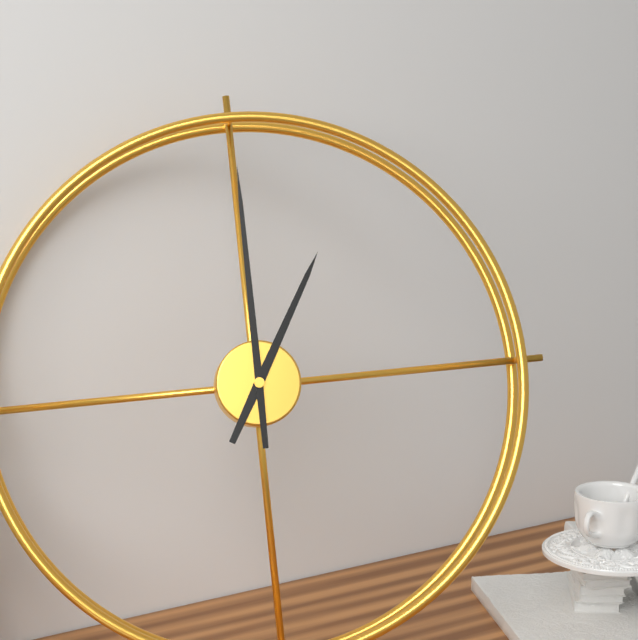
1,00
